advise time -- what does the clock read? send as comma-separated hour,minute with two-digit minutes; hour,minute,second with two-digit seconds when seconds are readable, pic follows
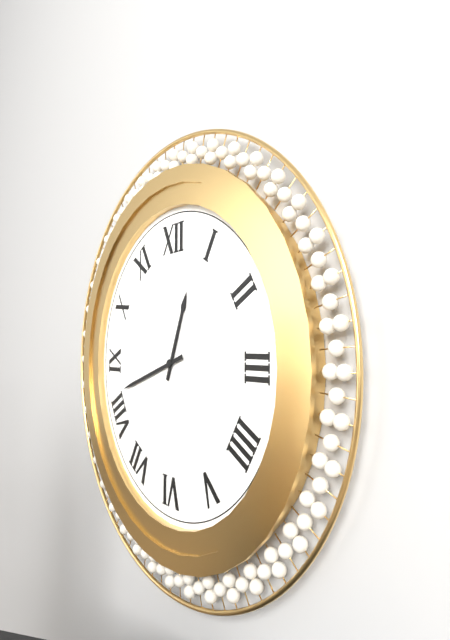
12,42
